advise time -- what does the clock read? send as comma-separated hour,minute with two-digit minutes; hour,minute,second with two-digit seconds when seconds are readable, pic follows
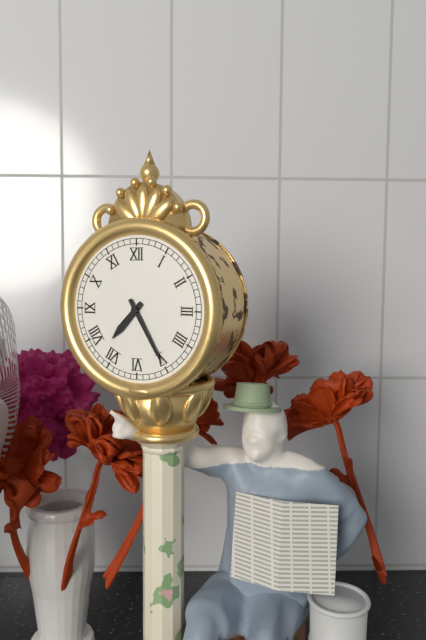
7,25
